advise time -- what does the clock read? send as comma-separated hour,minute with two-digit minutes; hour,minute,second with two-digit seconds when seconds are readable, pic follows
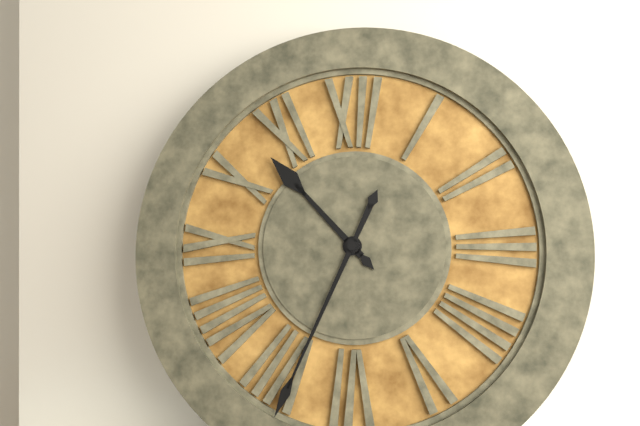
10,34
